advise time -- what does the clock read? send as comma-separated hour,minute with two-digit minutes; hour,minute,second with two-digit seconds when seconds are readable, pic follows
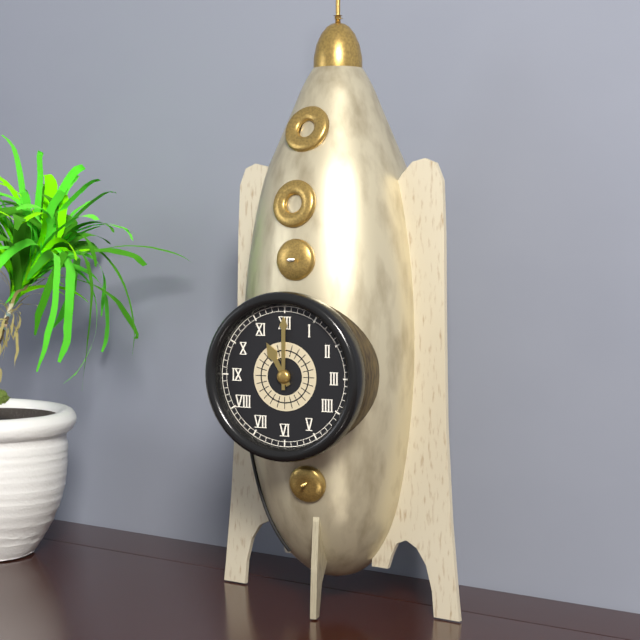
11,00
